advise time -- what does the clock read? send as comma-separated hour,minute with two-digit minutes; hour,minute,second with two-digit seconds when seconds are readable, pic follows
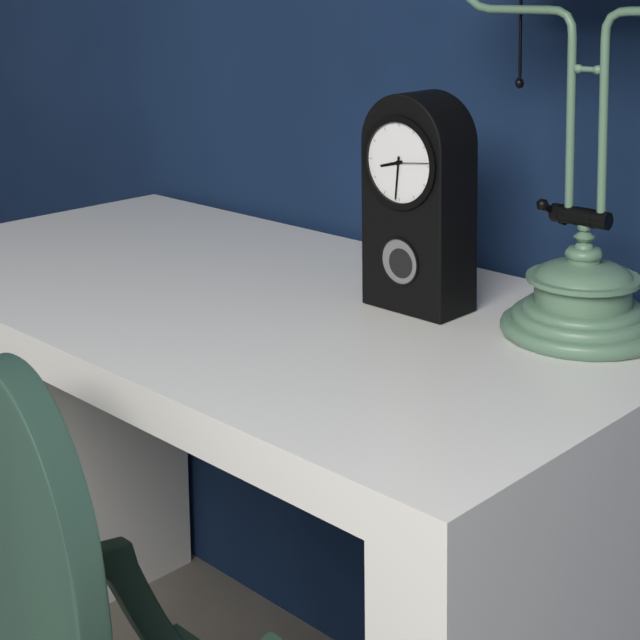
8,31
